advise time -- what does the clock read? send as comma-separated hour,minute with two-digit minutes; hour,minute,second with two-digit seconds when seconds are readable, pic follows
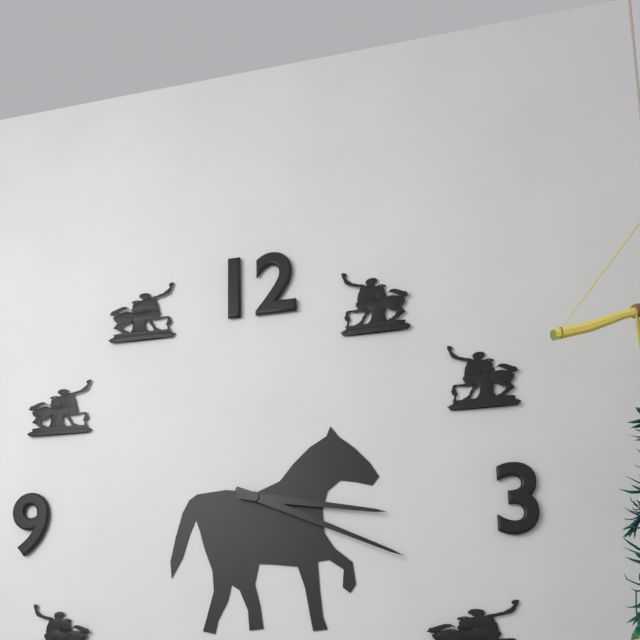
3,19
